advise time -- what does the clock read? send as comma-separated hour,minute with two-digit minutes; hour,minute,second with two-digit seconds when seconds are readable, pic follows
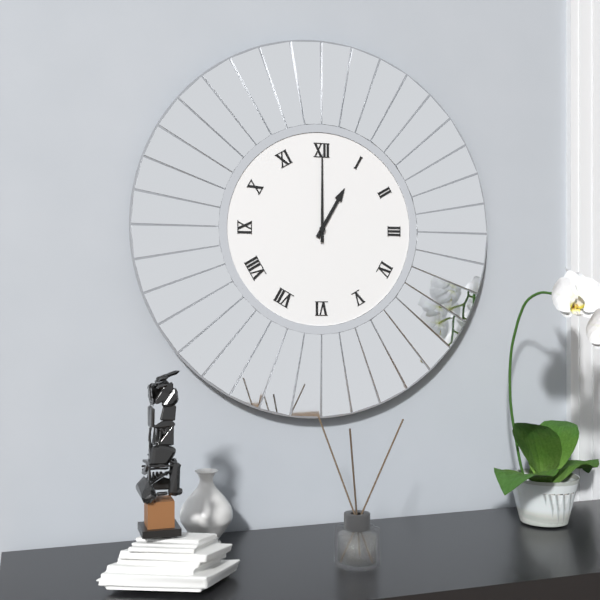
1,00
